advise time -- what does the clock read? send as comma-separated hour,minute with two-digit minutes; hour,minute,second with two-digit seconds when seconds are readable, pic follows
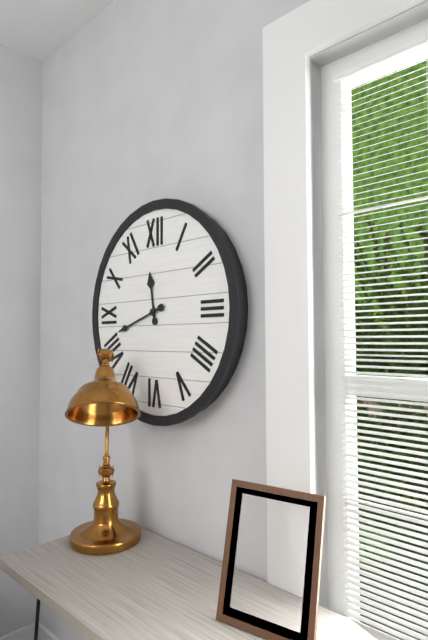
11,42
